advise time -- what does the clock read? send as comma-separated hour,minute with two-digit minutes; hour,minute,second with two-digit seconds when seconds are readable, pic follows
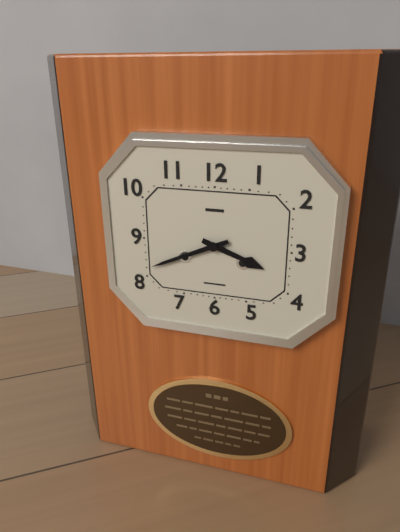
3,41
